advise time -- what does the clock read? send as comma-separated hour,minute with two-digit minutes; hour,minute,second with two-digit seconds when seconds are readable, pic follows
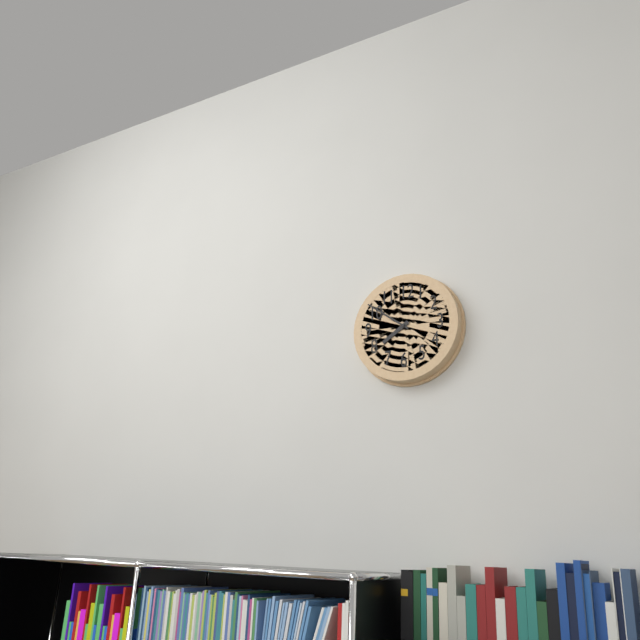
7,51
